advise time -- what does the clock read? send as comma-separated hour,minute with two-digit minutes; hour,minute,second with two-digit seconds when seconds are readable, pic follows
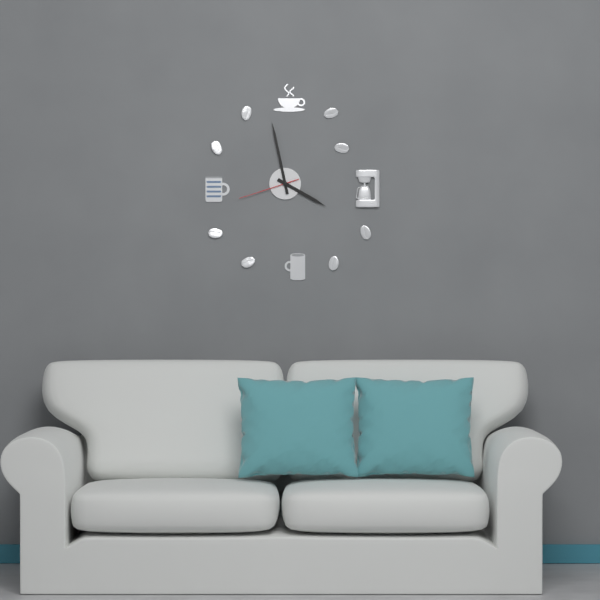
3,58,42
